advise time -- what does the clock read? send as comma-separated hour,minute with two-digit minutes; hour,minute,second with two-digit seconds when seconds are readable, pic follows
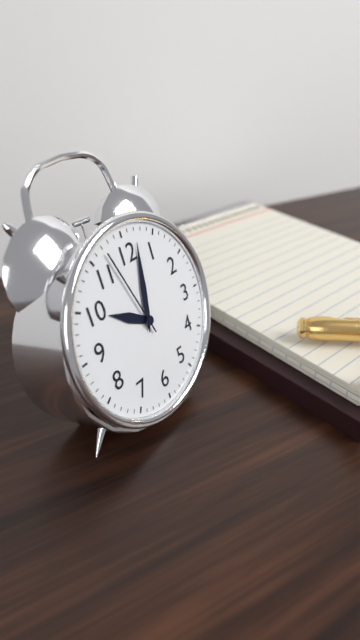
10,02,57
